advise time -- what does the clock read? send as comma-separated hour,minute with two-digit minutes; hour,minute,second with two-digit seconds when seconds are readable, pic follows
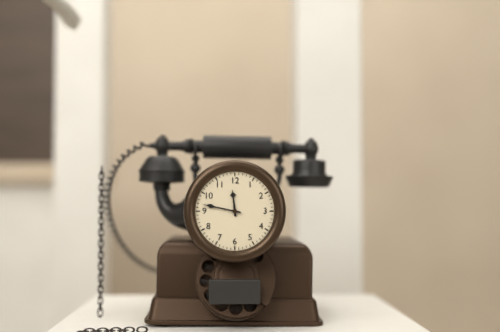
11,47
